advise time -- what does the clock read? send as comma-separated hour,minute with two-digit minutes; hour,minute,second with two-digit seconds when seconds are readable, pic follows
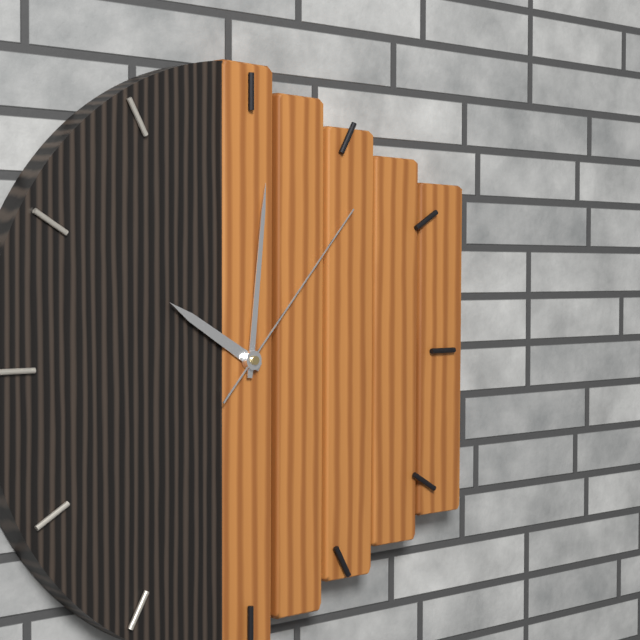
10,01,07
